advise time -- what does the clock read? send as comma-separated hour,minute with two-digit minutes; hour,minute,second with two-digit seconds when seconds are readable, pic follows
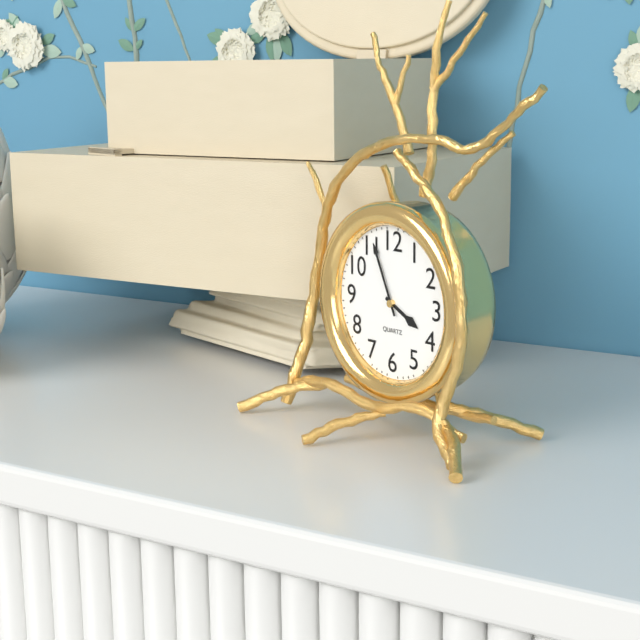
3,56
